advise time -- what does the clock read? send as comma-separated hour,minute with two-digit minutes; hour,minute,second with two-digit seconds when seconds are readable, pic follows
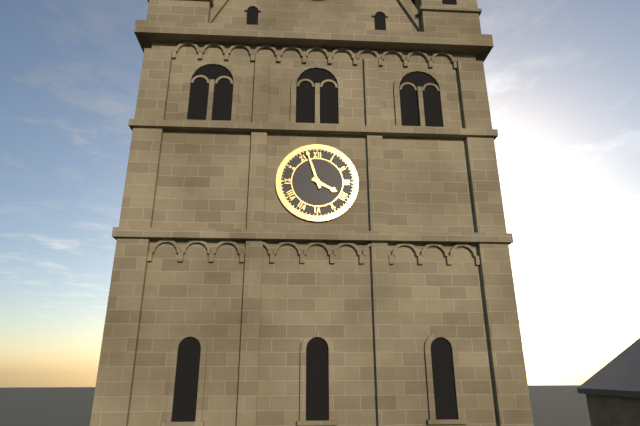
3,57
